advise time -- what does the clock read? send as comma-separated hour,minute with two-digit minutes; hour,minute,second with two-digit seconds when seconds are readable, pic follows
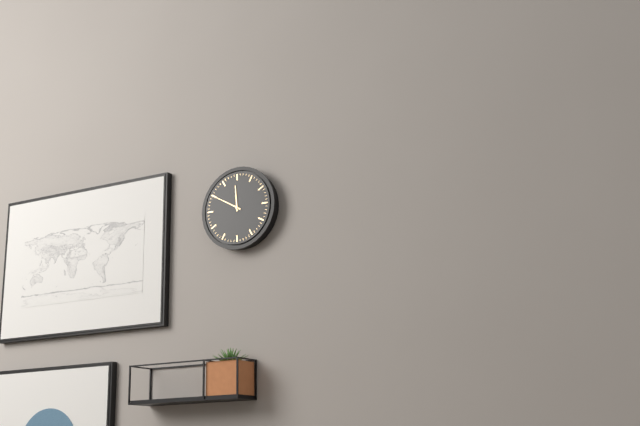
11,50
